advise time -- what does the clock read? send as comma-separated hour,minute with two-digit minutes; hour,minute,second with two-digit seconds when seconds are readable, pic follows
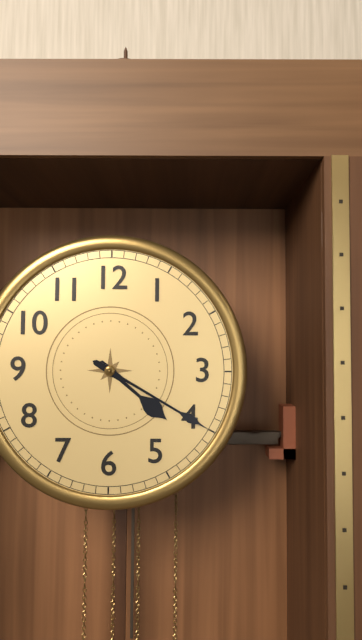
4,20
